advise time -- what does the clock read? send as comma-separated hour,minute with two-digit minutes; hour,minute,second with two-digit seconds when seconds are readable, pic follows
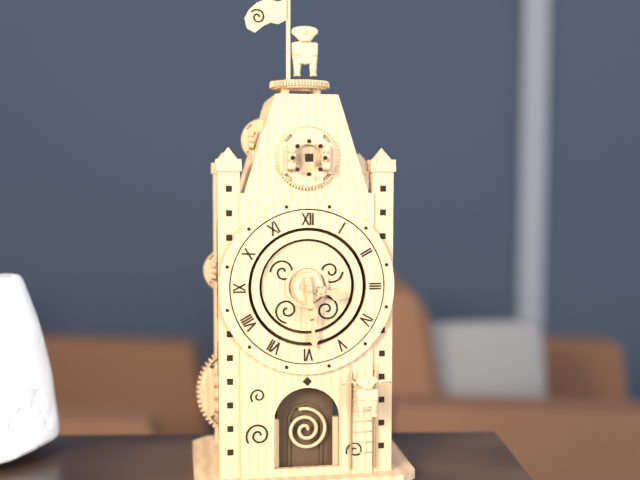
3,29
